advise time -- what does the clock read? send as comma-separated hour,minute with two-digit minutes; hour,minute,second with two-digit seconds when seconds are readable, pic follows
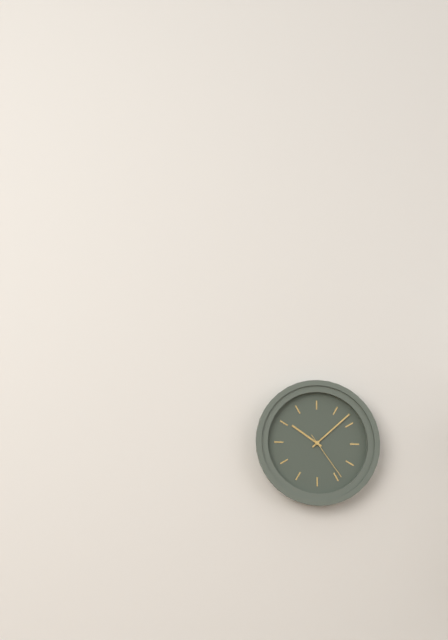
10,08,24
